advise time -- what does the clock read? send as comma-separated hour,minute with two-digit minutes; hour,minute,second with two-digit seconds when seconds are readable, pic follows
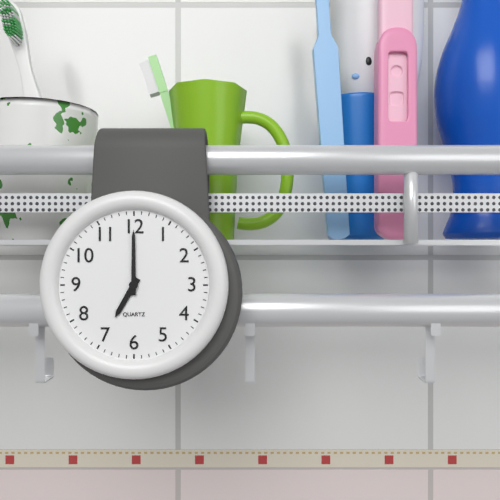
7,00
